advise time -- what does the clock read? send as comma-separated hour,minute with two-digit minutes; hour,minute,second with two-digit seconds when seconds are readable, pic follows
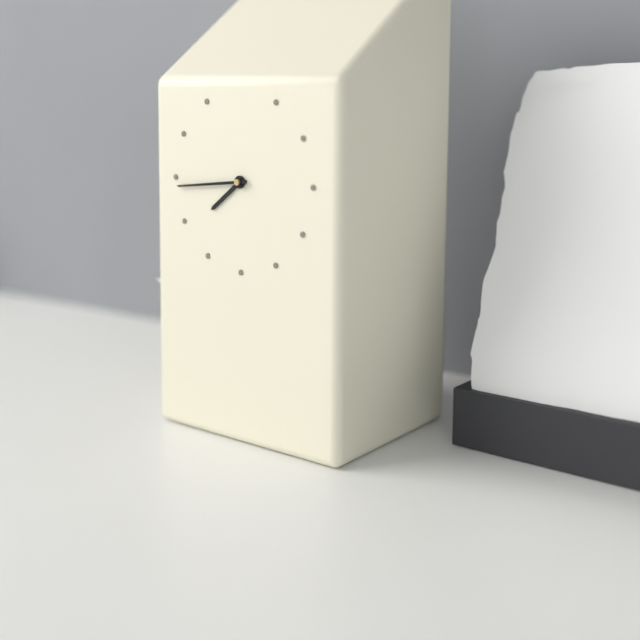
7,44
